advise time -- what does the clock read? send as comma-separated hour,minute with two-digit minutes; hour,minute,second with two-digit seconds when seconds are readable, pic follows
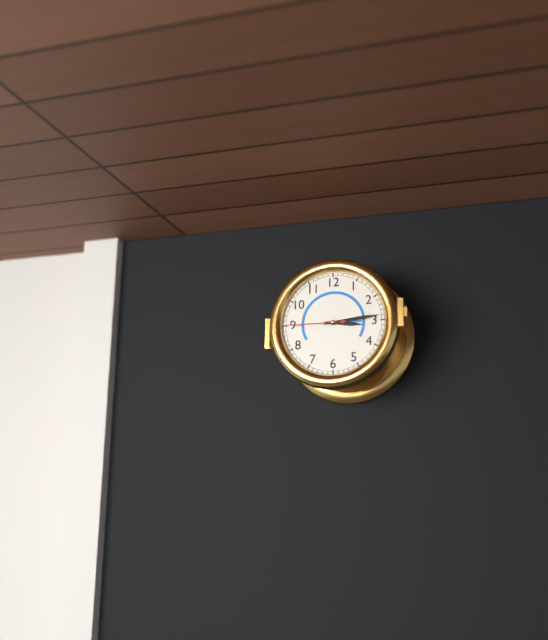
3,14,45
